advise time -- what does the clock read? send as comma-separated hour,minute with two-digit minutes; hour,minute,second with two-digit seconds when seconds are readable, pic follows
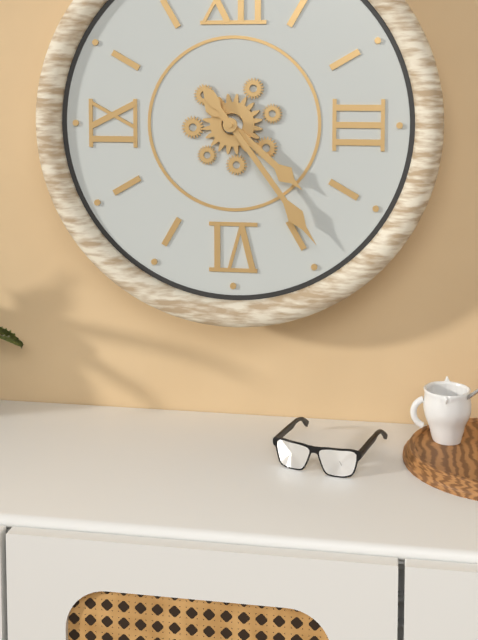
4,24
